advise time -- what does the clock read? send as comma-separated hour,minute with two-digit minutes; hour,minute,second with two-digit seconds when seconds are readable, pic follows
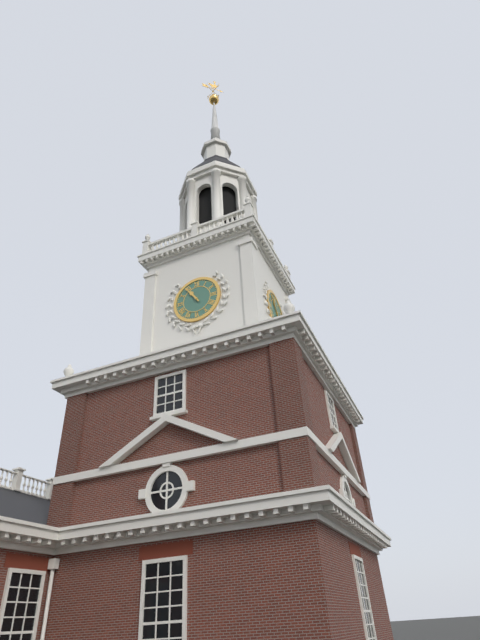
10,54
